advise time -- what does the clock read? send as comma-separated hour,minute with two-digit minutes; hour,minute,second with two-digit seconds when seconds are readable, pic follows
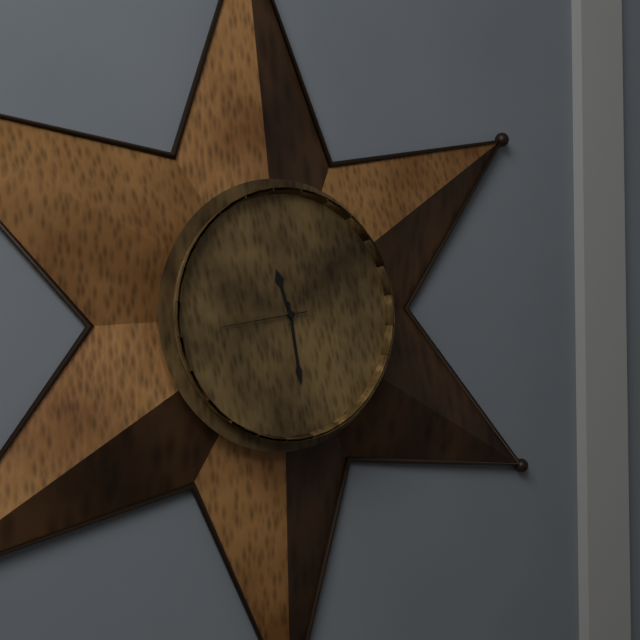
11,29,44
